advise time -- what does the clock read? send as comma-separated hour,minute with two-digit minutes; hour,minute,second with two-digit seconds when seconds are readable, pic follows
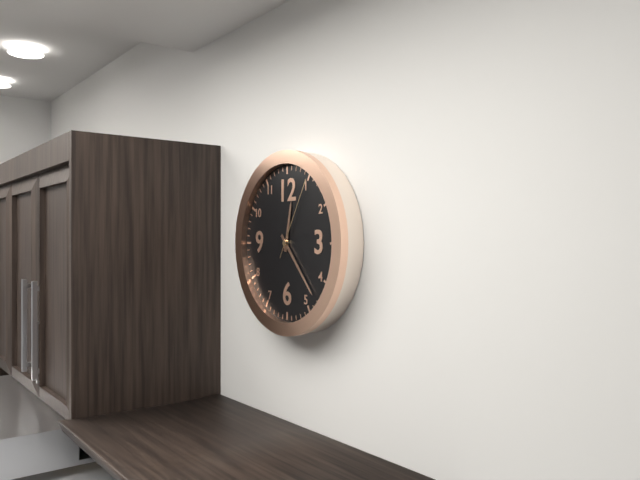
12,23,05
